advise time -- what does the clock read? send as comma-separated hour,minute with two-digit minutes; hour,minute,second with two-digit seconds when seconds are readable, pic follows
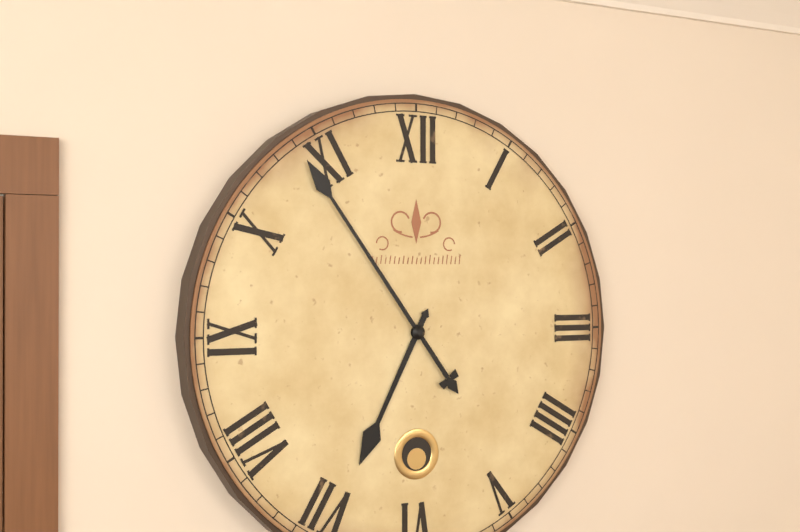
6,54
